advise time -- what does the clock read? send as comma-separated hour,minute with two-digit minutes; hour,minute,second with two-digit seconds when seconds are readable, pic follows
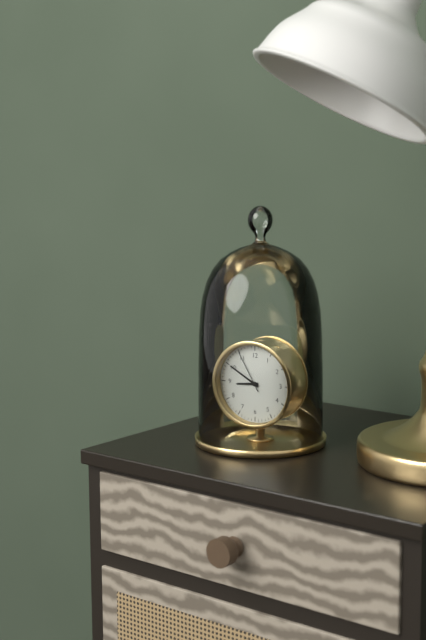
8,50
